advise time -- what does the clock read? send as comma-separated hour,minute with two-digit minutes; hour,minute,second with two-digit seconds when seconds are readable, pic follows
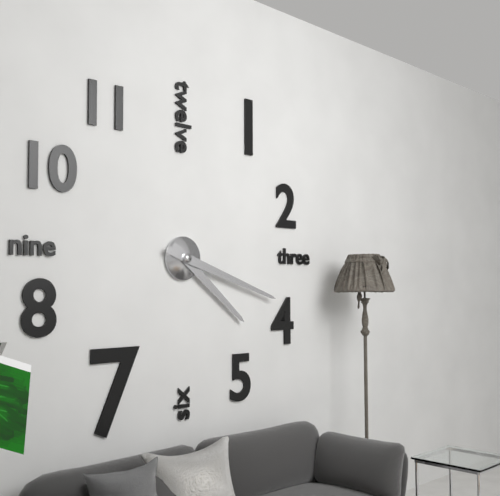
4,18
